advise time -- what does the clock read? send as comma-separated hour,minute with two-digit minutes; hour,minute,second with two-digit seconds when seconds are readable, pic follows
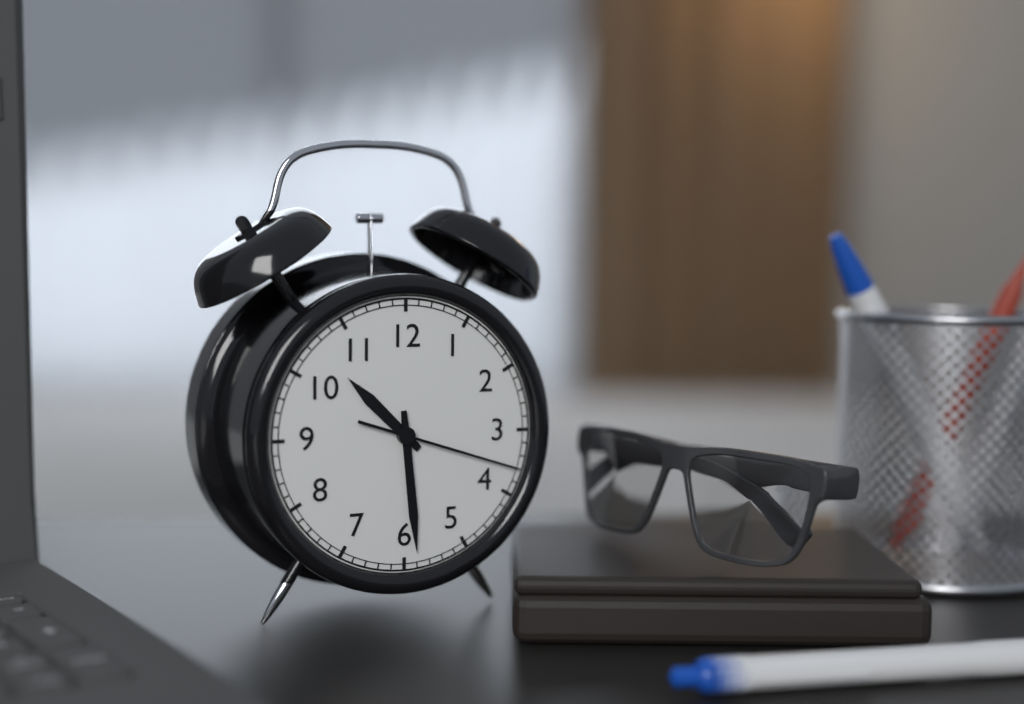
10,29,18
